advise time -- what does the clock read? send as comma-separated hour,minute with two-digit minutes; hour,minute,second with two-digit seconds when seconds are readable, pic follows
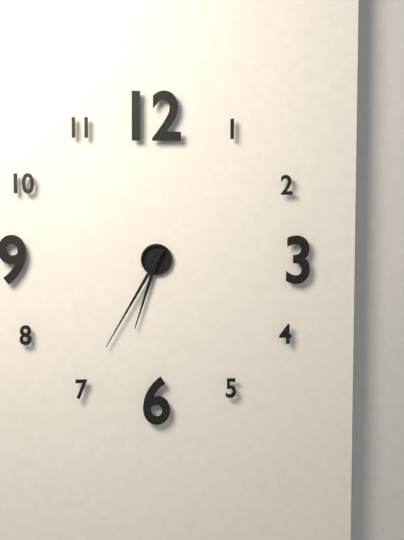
6,35
